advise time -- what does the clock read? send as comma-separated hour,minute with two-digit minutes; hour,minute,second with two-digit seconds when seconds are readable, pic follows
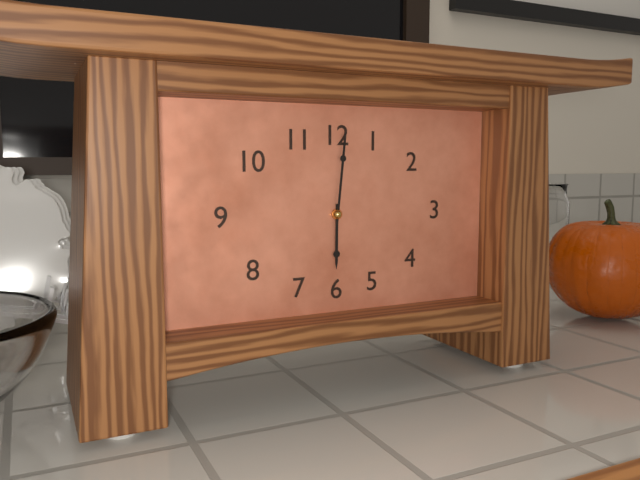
6,01
